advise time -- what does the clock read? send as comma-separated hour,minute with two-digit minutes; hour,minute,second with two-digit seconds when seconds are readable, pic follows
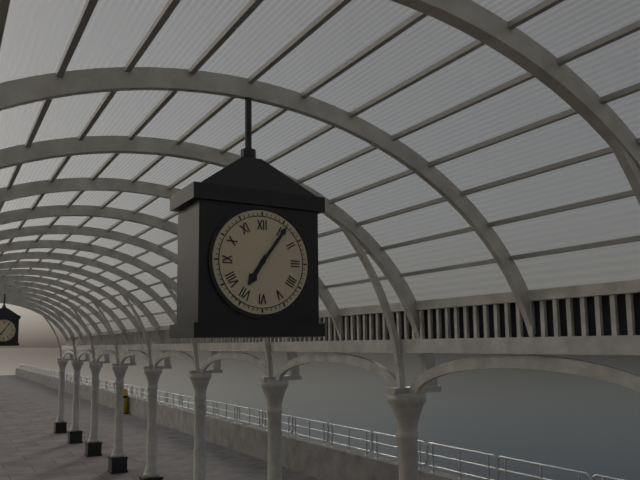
7,06
